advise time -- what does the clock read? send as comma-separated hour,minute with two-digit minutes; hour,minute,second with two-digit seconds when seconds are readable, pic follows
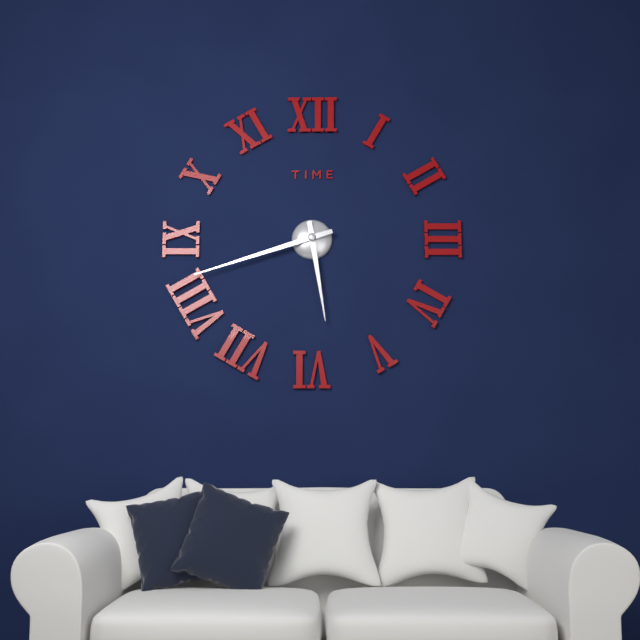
5,42
